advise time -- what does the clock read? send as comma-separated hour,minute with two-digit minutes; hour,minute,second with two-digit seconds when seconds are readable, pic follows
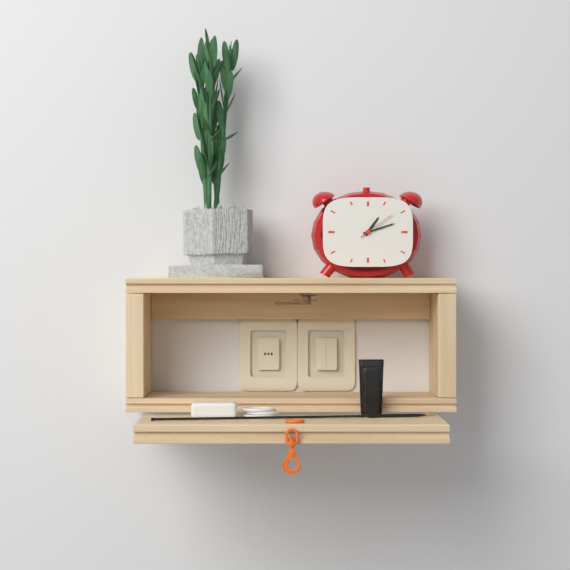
1,12
